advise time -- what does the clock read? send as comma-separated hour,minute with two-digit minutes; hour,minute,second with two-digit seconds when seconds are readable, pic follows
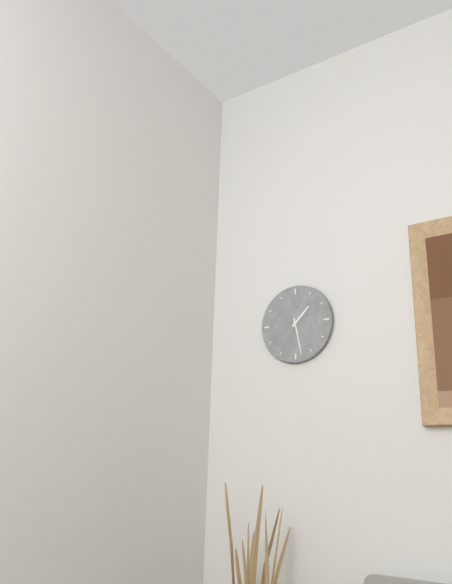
1,28
